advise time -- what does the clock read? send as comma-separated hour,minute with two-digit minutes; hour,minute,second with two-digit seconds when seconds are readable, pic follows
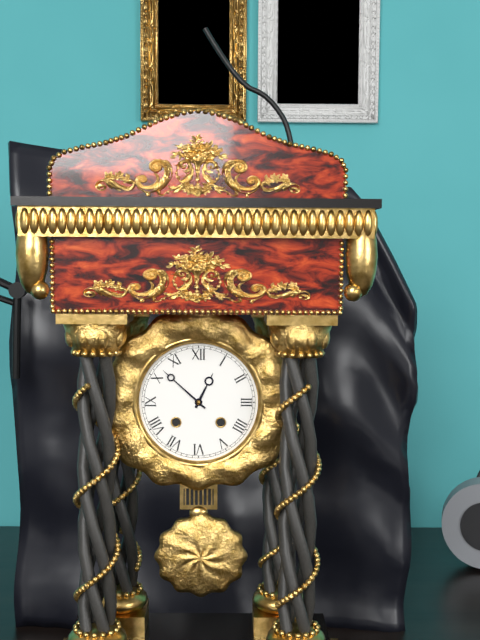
12,52
